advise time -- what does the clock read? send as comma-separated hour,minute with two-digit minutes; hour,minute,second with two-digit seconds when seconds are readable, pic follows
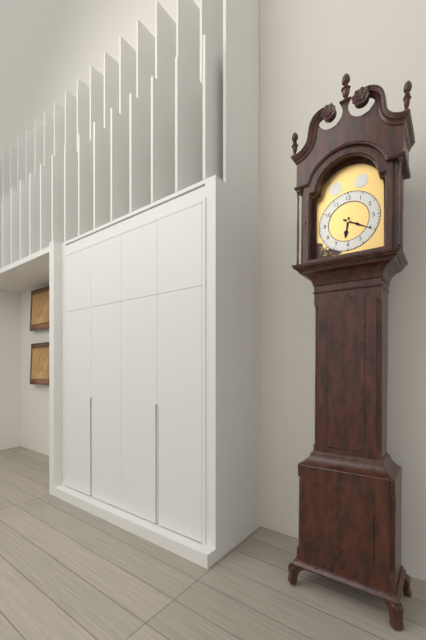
6,20
